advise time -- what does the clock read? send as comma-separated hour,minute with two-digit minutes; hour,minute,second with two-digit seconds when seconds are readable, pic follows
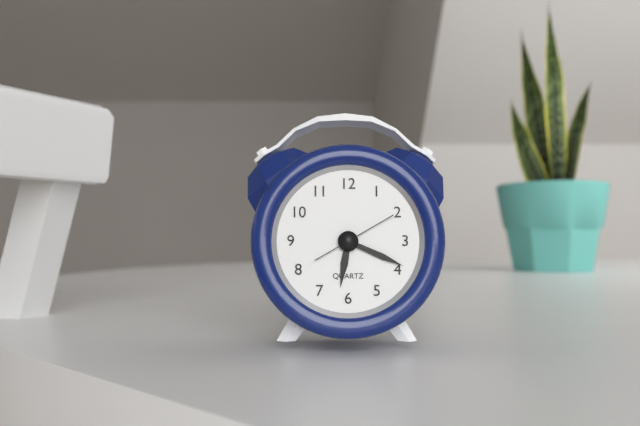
6,19,10
